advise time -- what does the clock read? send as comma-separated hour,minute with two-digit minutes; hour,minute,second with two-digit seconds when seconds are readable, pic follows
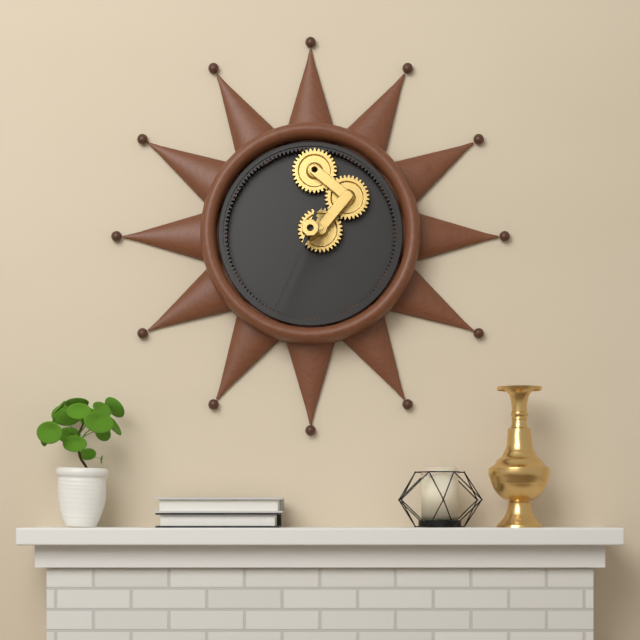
12,34
